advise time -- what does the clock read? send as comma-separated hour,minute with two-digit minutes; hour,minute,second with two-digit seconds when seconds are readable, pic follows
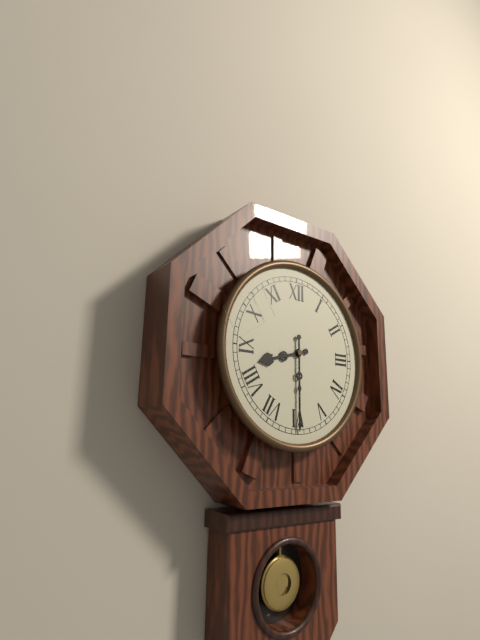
8,30
